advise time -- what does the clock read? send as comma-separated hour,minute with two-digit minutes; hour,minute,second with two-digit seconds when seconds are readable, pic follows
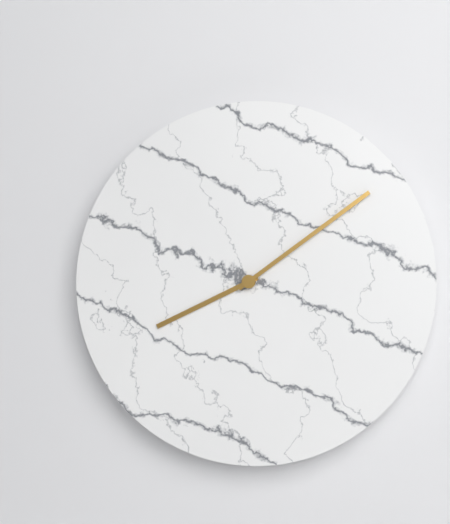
8,09
